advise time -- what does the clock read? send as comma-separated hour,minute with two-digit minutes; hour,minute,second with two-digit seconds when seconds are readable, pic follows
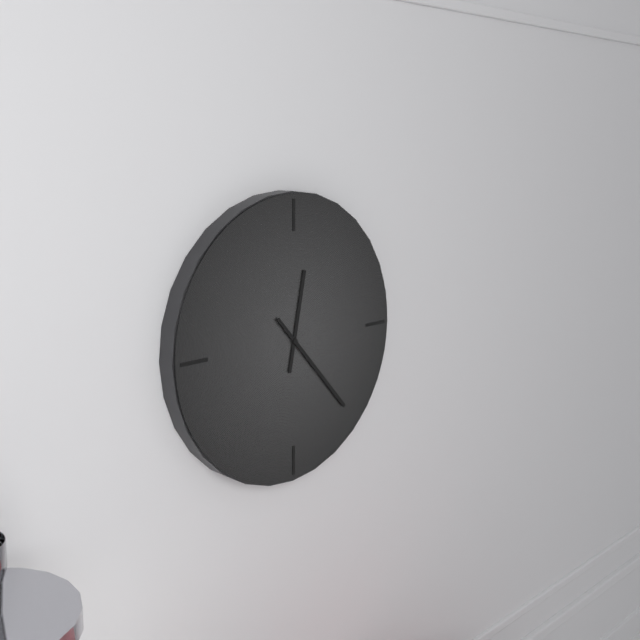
12,23
